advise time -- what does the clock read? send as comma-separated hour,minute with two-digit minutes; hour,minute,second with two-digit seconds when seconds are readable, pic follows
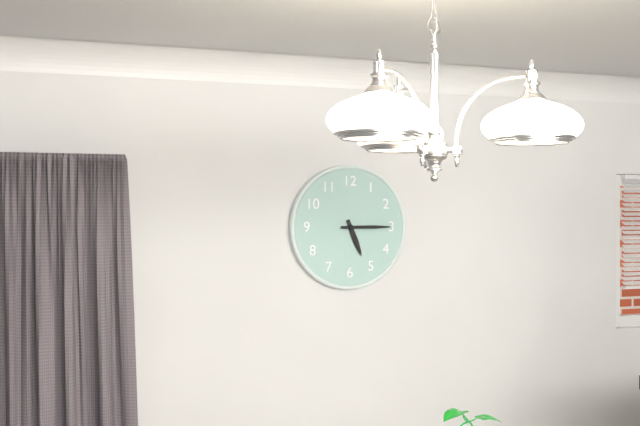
5,15
